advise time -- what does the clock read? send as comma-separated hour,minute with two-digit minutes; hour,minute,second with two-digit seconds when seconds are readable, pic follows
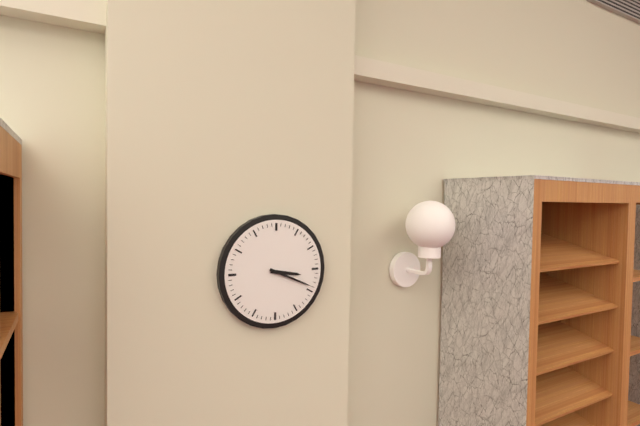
3,19
